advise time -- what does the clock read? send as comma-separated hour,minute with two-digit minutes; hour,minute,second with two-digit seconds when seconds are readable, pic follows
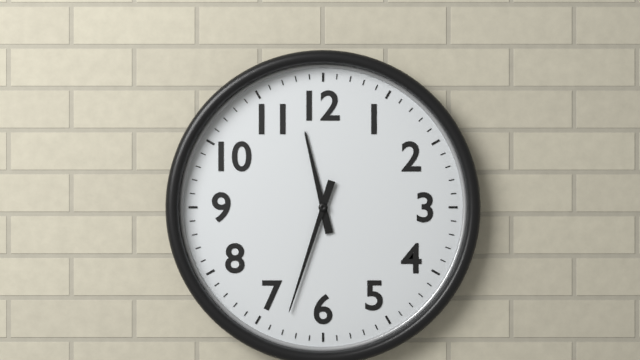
11,33
